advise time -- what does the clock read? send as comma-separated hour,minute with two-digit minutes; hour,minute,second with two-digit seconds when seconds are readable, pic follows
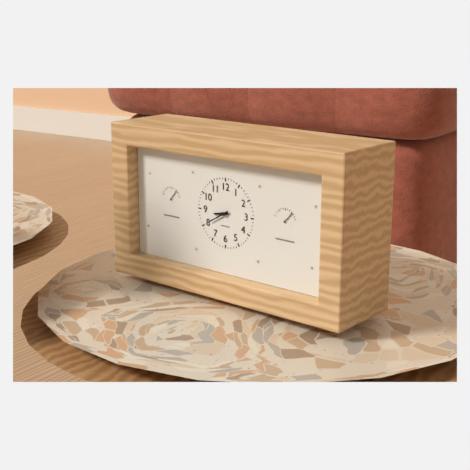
8,40
